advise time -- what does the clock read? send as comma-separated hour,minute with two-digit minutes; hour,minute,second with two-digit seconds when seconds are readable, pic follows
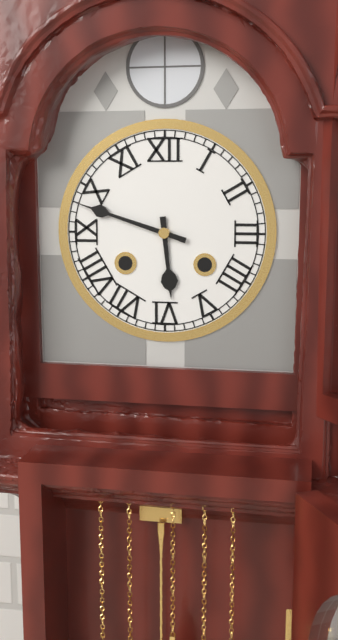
5,48
